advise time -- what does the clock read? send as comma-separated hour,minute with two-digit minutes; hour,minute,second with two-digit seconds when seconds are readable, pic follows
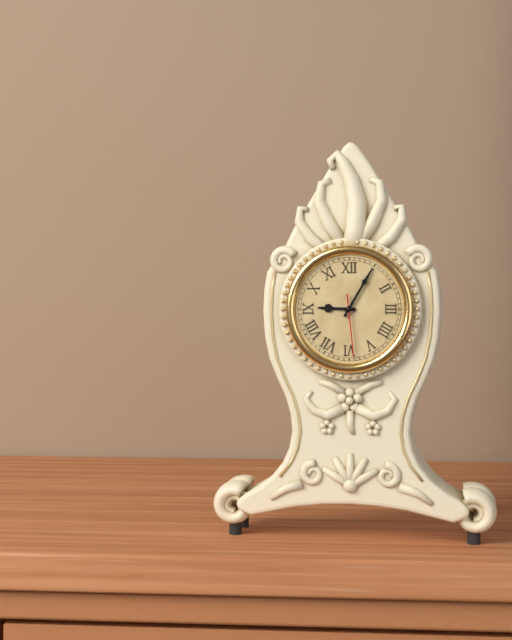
9,05,29
